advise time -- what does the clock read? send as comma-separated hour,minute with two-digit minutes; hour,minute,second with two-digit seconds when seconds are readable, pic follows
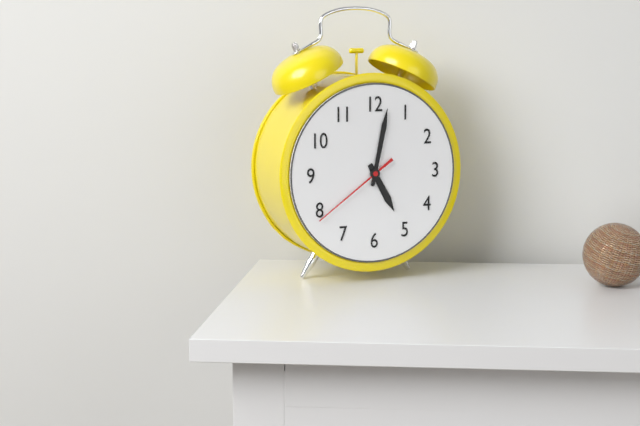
5,02,39
